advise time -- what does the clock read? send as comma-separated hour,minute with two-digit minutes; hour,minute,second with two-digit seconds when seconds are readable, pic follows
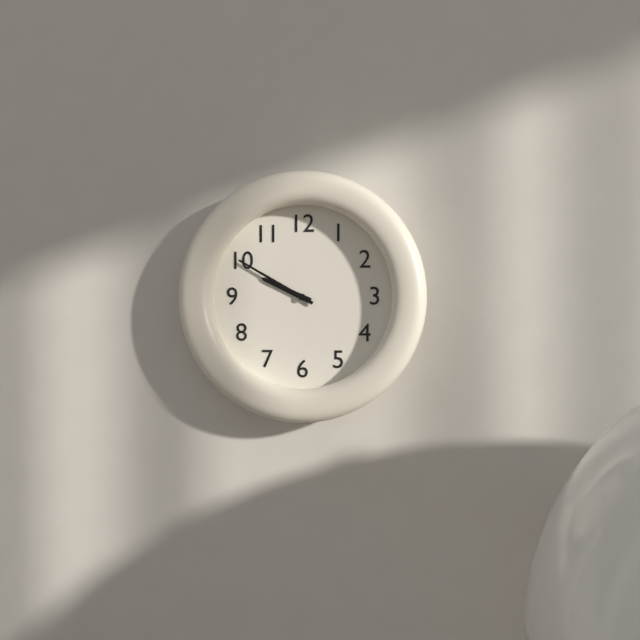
9,50
